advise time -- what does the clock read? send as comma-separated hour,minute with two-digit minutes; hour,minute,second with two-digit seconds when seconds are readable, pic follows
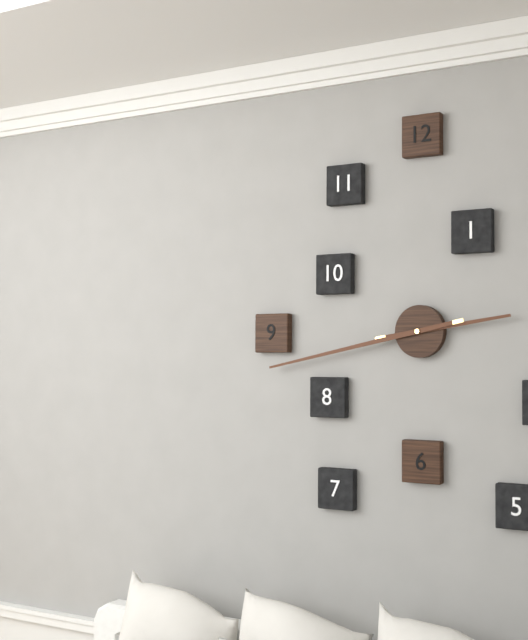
2,43
